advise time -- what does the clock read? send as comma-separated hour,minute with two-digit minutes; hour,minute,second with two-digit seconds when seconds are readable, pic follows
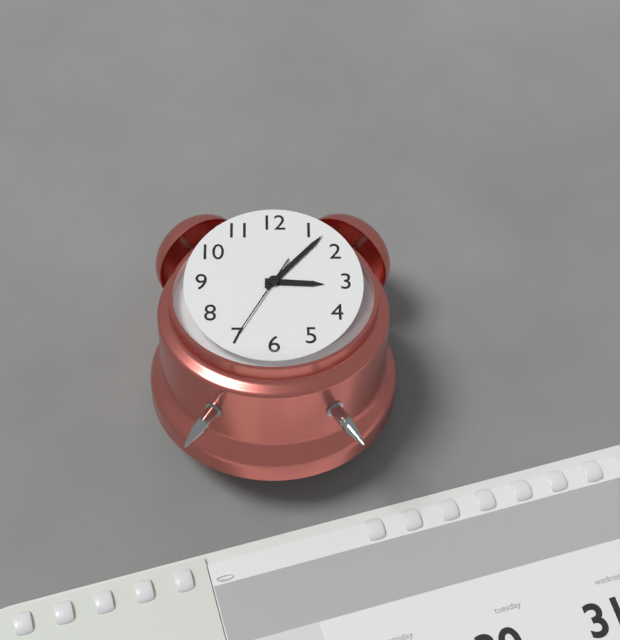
3,07,35
